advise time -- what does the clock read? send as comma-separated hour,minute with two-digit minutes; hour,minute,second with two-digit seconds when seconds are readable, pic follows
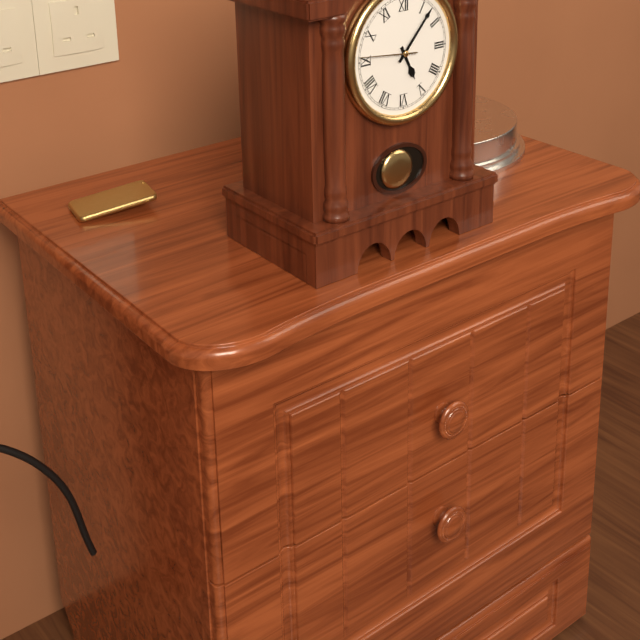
5,07,46
